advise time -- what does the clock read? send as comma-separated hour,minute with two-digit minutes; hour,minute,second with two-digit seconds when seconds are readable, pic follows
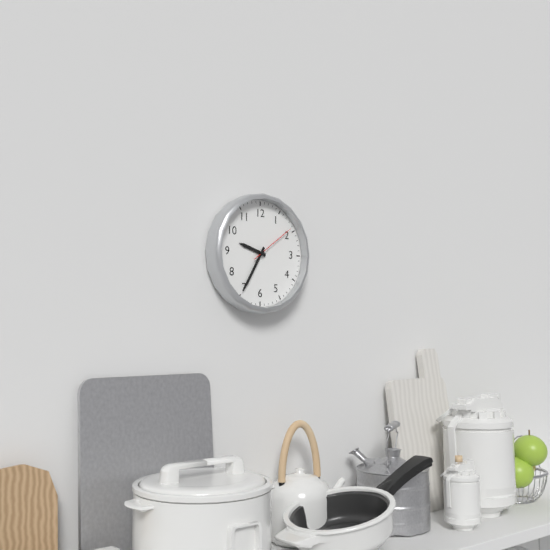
9,35
